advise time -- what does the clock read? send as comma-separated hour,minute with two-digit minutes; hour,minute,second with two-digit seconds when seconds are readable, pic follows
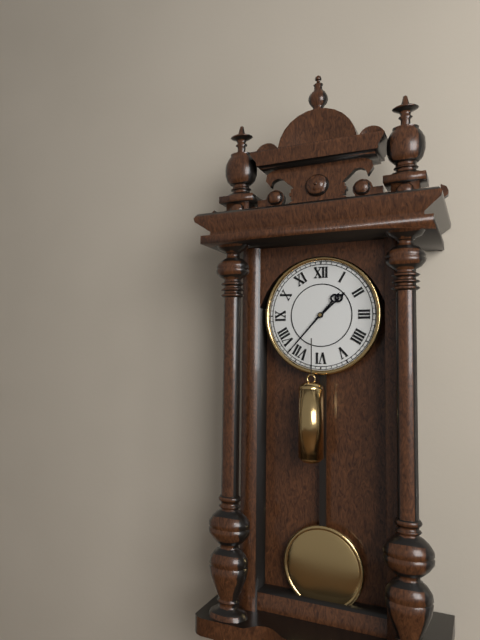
1,37
